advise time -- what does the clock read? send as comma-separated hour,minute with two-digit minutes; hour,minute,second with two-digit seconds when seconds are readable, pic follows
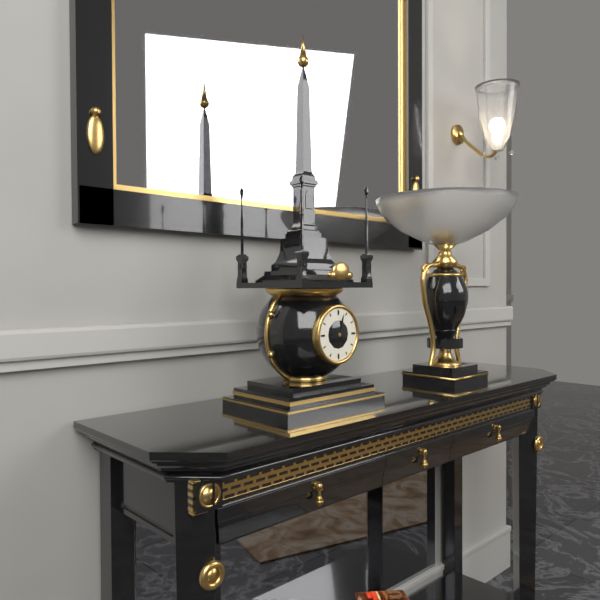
9,03
